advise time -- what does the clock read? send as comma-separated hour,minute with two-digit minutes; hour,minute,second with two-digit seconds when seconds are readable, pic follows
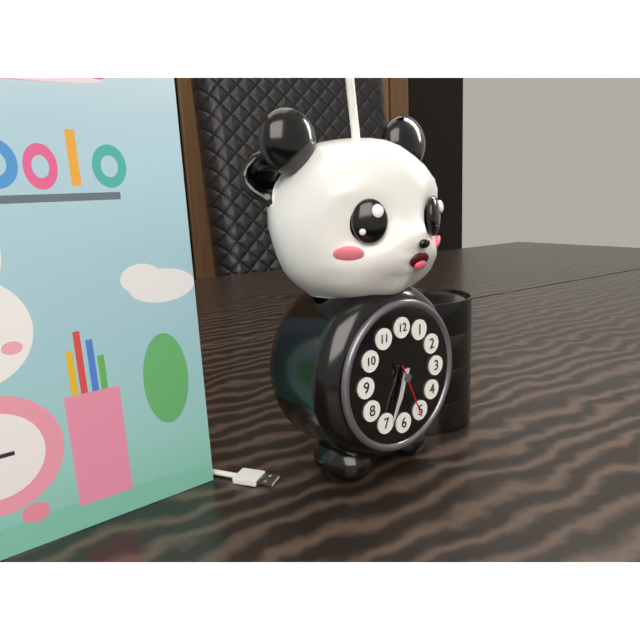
6,34,26
